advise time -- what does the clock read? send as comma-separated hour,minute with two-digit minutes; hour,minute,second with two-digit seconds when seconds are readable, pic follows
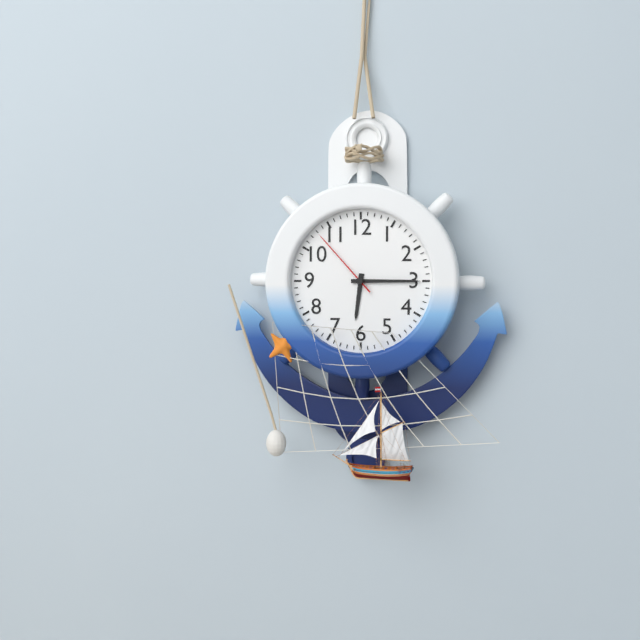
6,15,53
